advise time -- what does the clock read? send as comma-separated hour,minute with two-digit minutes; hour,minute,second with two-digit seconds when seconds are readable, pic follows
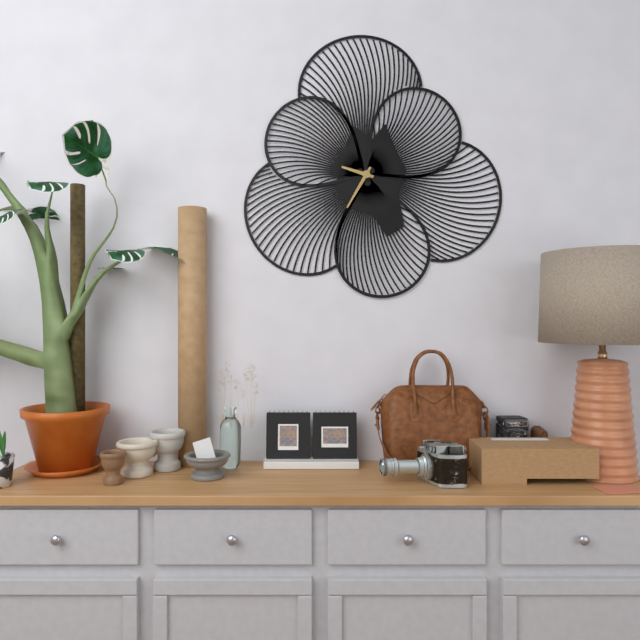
9,35
